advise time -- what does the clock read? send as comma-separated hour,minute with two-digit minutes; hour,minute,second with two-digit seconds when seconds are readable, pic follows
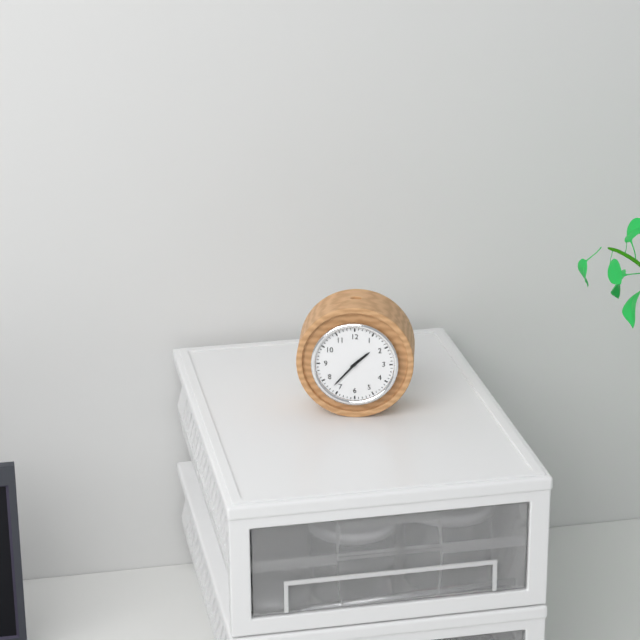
1,37
